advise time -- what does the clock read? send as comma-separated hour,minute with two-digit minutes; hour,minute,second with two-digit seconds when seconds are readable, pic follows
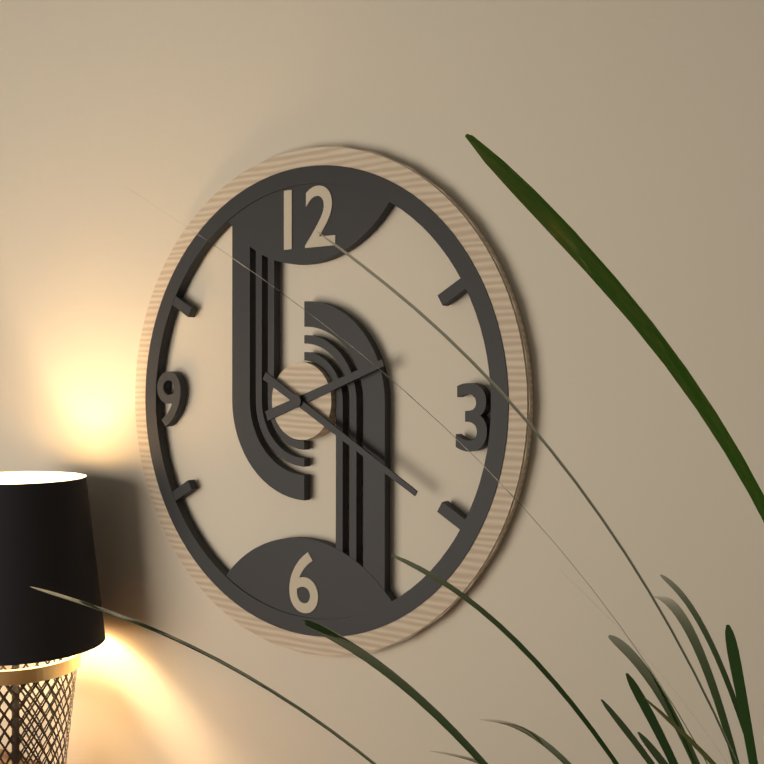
2,20
